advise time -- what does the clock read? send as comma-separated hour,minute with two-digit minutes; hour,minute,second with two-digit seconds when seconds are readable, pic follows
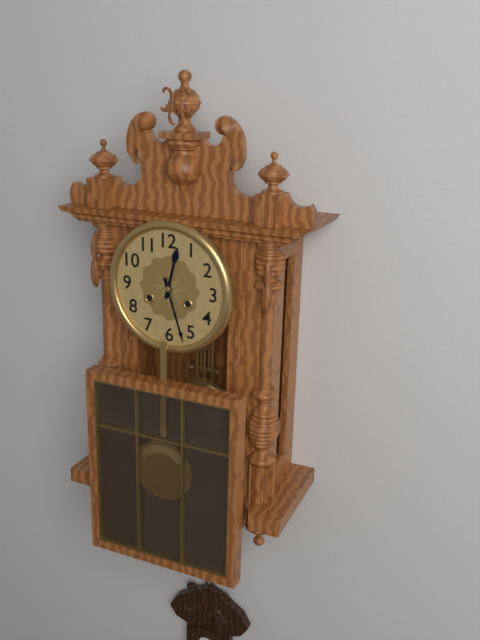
12,27
